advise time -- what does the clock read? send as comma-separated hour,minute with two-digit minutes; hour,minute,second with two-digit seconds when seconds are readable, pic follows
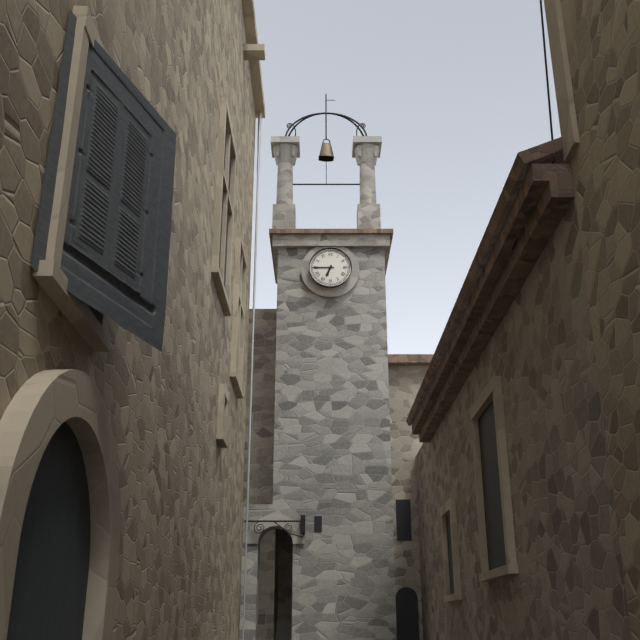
6,45
